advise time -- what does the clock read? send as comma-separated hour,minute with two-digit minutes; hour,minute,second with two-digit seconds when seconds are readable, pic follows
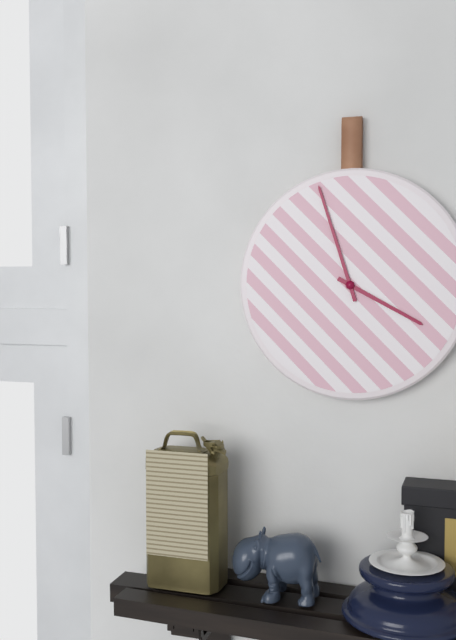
3,57
